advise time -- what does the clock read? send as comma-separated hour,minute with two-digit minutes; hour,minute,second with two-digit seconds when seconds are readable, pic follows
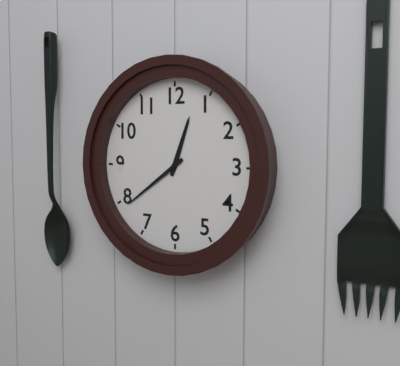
12,39
